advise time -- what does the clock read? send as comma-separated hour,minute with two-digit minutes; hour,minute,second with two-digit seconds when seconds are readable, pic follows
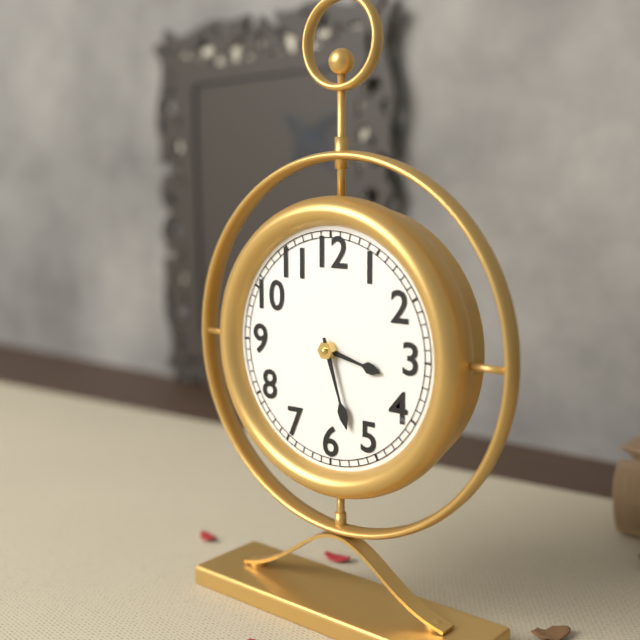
3,27
